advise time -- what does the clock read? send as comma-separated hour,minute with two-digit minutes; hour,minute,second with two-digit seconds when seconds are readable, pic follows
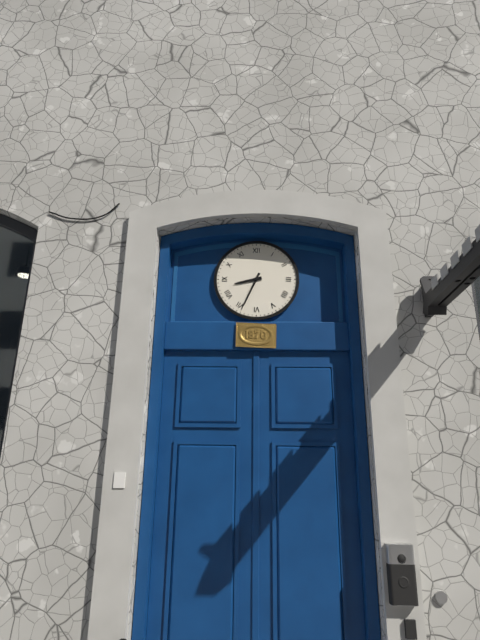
8,34
